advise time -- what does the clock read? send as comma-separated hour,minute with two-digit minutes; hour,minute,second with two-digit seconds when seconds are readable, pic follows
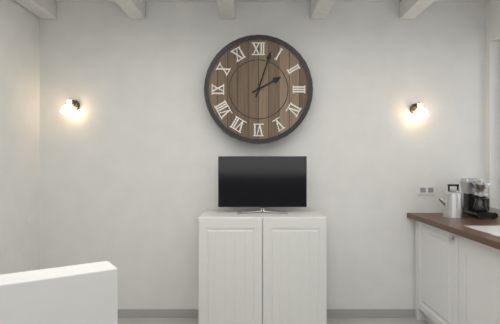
2,03
